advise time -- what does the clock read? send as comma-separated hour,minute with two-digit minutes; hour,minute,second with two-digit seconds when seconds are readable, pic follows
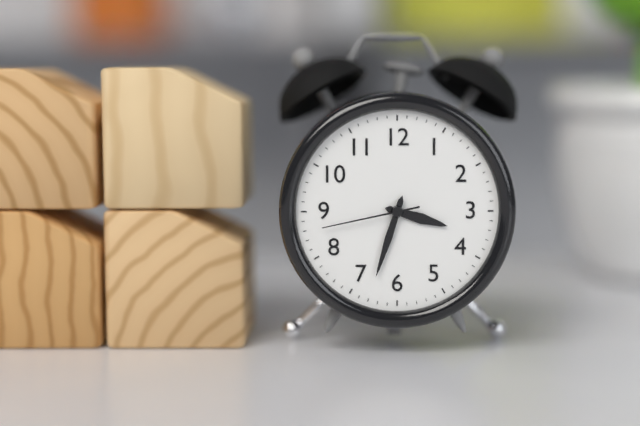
3,33,43
